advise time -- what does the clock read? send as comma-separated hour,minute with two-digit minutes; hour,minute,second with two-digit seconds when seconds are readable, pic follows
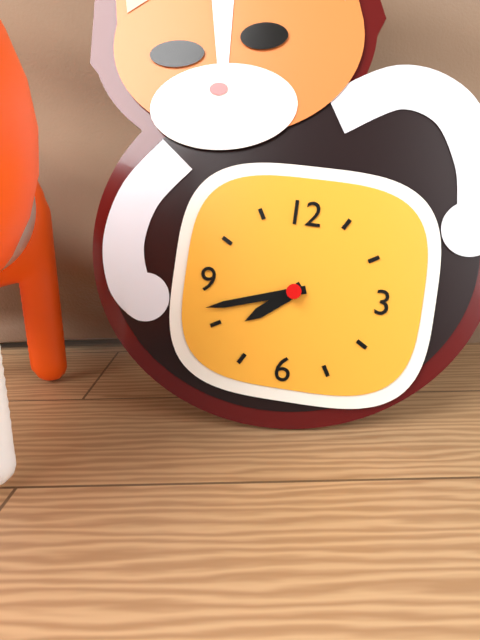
7,42
